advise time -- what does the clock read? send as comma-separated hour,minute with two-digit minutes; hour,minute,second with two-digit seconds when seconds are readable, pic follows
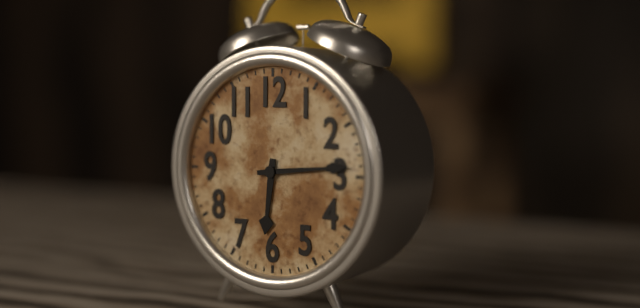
6,14
